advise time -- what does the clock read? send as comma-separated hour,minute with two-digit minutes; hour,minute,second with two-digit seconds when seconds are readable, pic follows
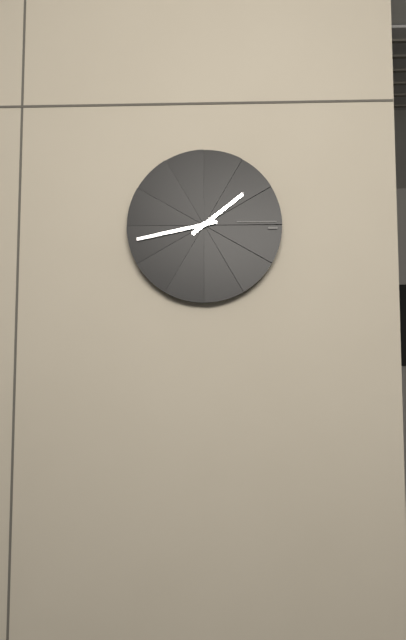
1,43
